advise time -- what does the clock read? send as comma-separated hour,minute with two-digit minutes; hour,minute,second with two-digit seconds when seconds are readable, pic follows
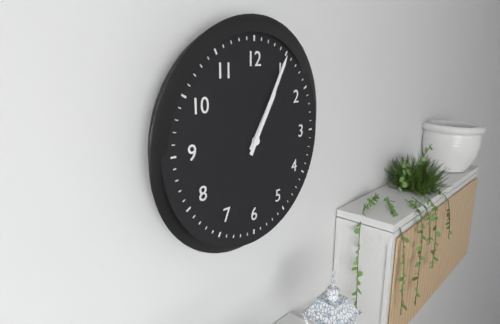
1,05
